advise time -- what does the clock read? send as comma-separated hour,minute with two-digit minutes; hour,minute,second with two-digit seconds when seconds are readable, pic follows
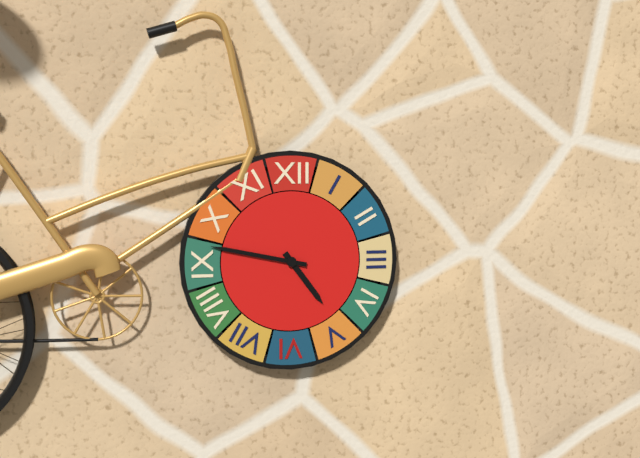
4,47
